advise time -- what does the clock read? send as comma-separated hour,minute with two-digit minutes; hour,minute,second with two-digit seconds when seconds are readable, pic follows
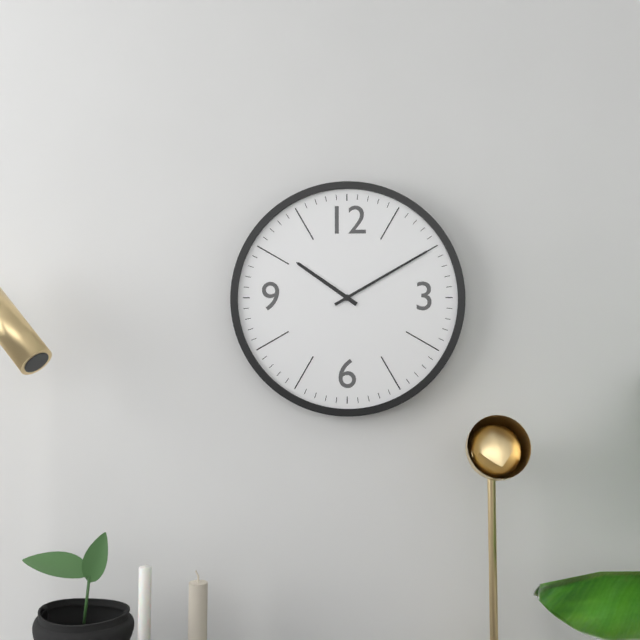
10,10
